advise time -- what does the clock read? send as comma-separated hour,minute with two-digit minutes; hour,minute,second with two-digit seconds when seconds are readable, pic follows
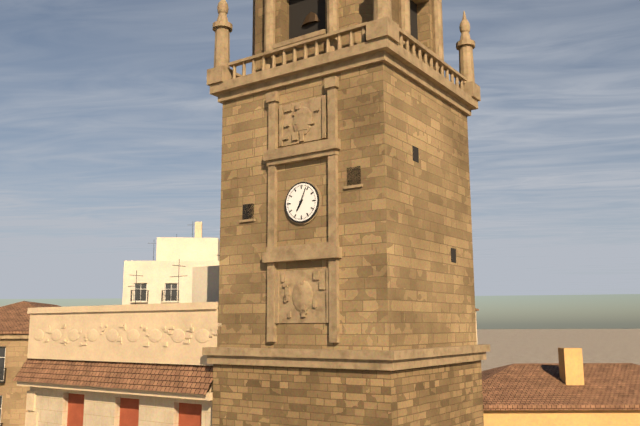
7,04
